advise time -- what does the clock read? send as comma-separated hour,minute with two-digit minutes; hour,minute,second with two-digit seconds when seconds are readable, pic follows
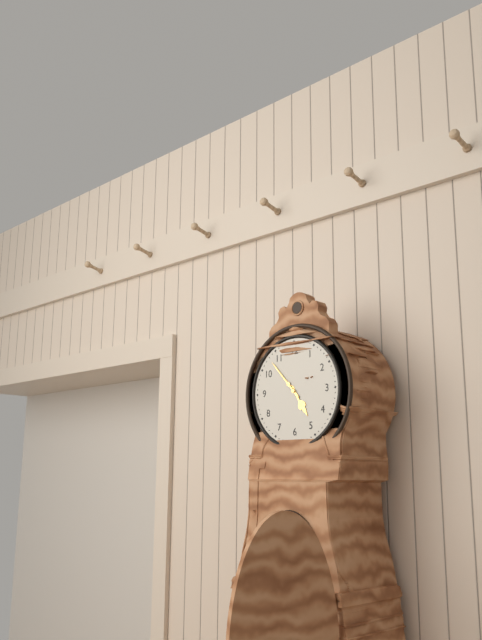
4,53
